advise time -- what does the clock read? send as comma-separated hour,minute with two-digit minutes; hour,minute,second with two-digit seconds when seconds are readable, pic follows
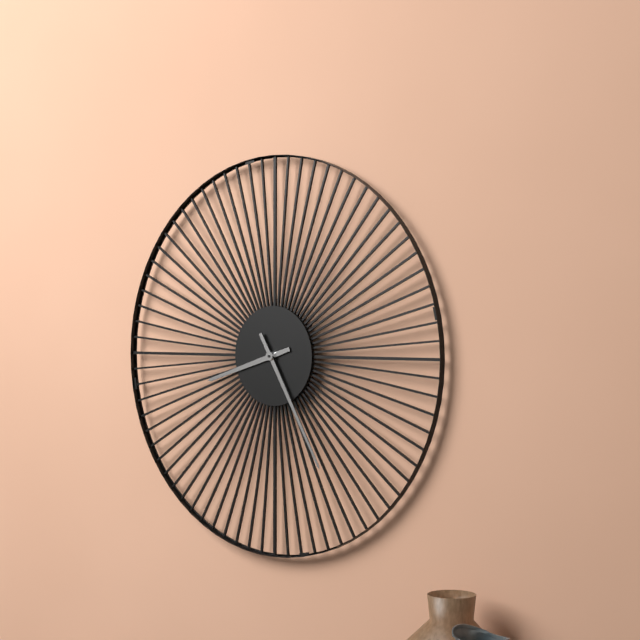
8,25
